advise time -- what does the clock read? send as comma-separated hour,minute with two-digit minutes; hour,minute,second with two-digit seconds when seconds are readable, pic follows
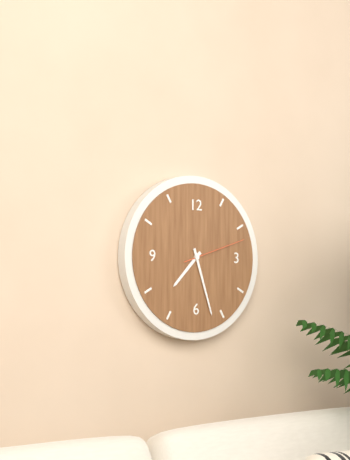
7,27,12
